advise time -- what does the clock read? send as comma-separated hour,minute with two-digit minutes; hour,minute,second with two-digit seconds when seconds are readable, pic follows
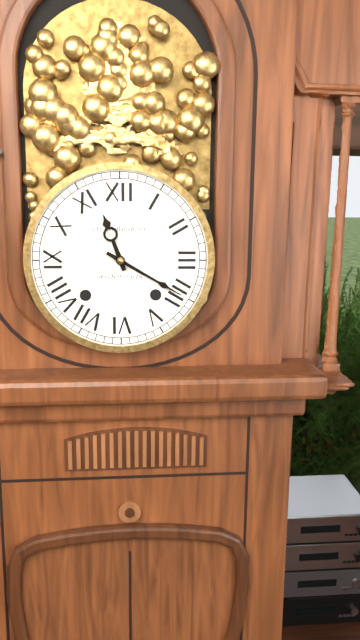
11,20
